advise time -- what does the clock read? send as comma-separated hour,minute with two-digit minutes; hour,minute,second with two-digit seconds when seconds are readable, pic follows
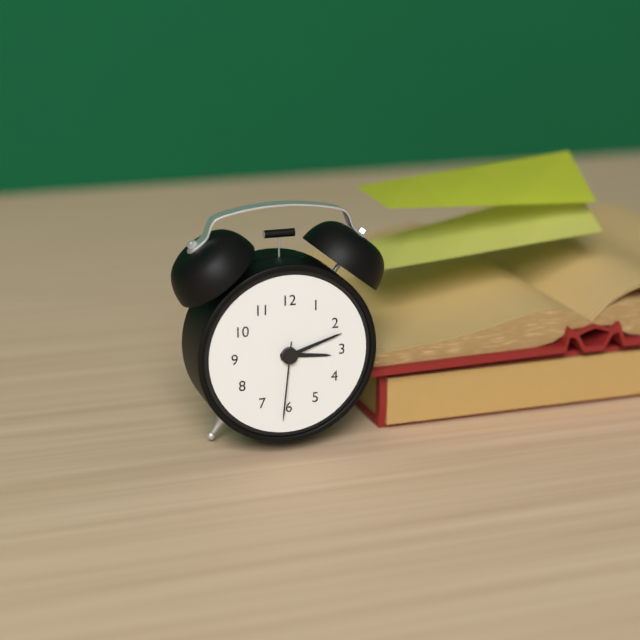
3,12,31
